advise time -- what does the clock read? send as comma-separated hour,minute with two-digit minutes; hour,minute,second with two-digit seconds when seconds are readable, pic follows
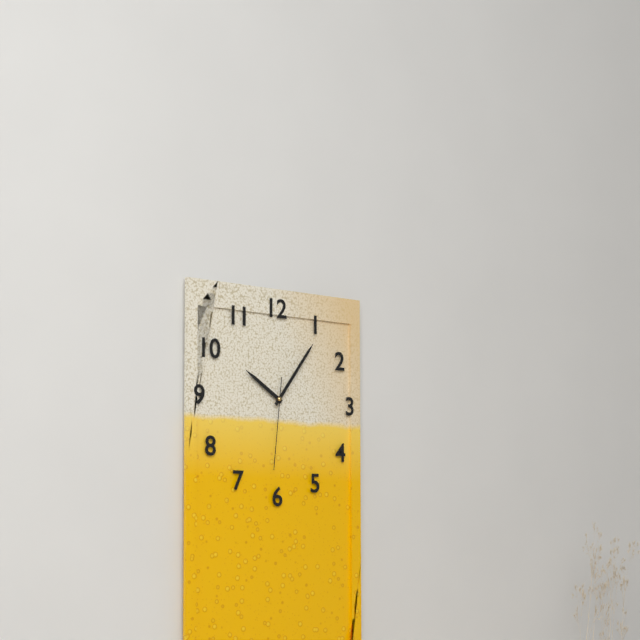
10,06,31
